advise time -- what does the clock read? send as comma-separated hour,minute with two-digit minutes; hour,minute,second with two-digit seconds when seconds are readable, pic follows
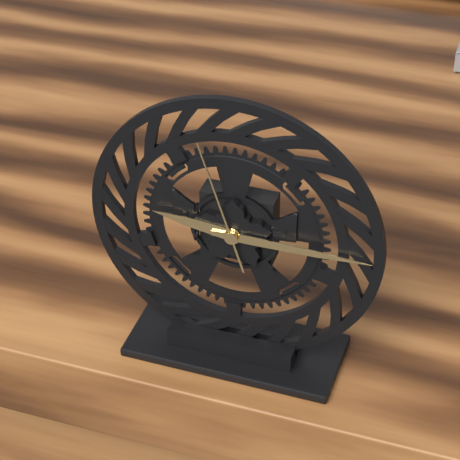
9,15,57
